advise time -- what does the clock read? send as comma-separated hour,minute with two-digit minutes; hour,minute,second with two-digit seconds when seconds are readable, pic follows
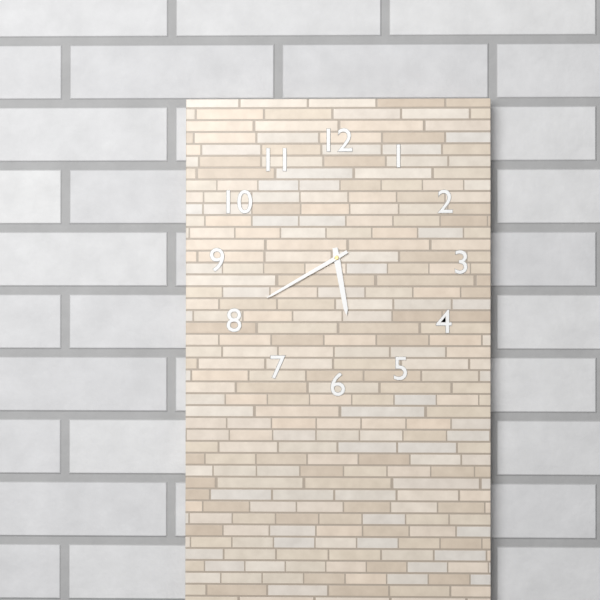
5,40
